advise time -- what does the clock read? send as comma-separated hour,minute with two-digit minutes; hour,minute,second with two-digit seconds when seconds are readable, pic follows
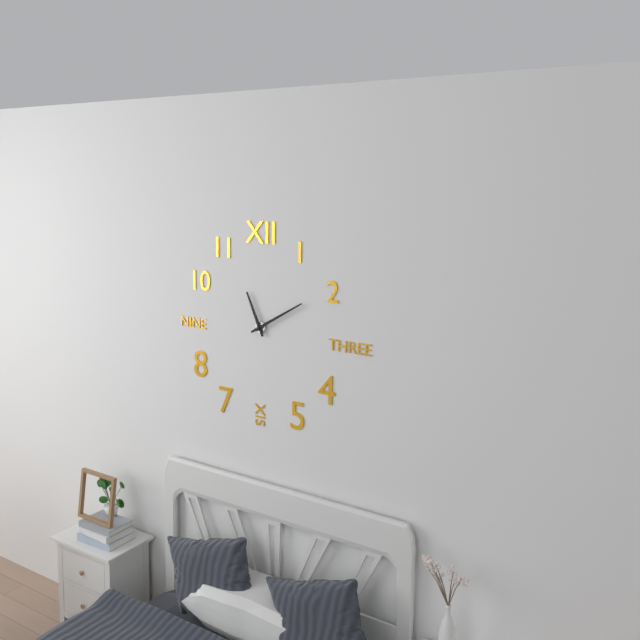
11,10
